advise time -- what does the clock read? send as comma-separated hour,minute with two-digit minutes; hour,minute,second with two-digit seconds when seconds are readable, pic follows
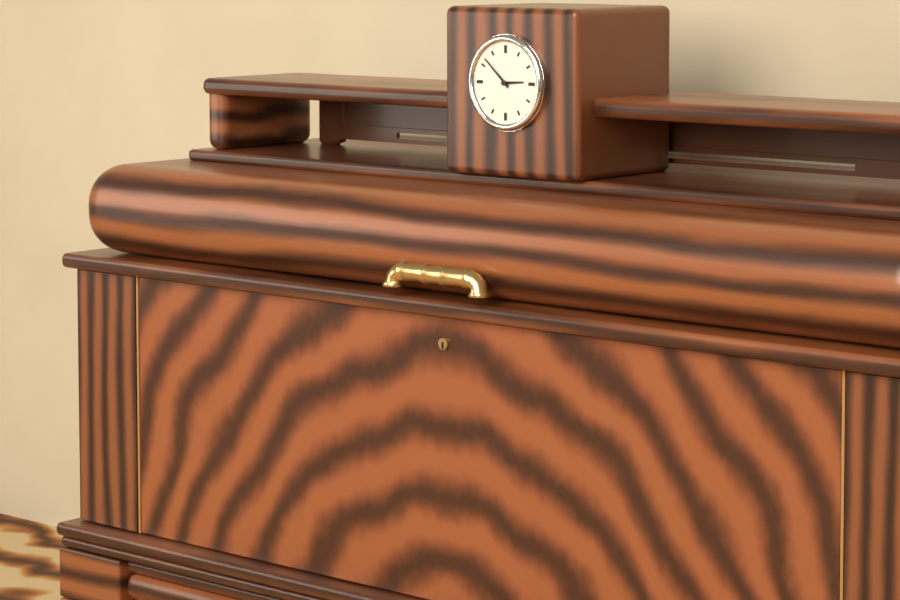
2,52
